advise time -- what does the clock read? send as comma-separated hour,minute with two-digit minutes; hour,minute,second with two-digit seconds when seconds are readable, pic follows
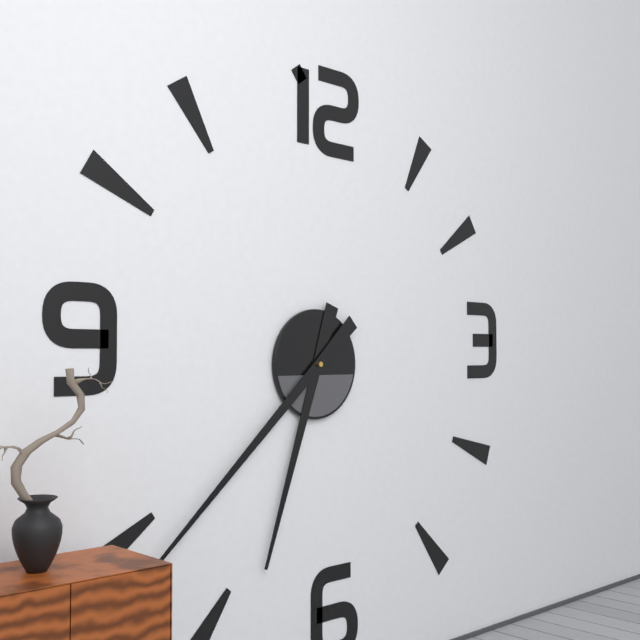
6,38
